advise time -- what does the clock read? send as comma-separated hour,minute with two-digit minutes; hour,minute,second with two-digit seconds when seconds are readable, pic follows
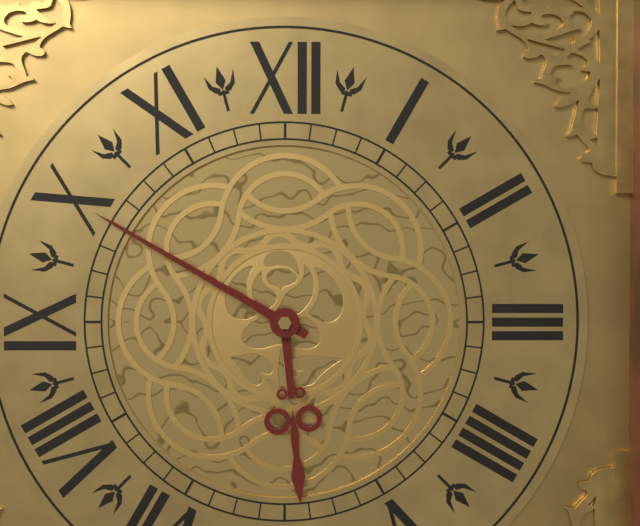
5,50
